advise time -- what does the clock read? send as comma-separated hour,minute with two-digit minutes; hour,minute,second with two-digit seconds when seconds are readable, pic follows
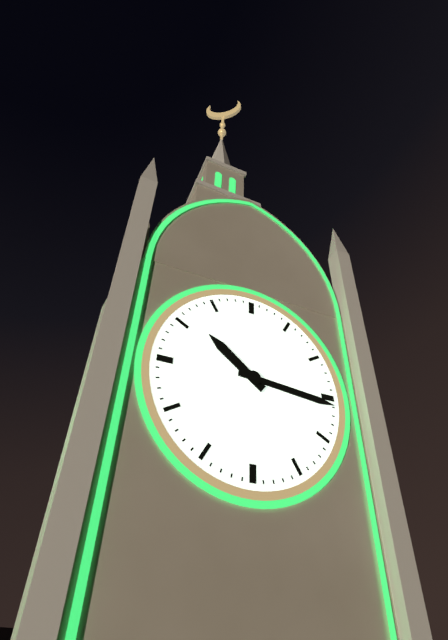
10,16
